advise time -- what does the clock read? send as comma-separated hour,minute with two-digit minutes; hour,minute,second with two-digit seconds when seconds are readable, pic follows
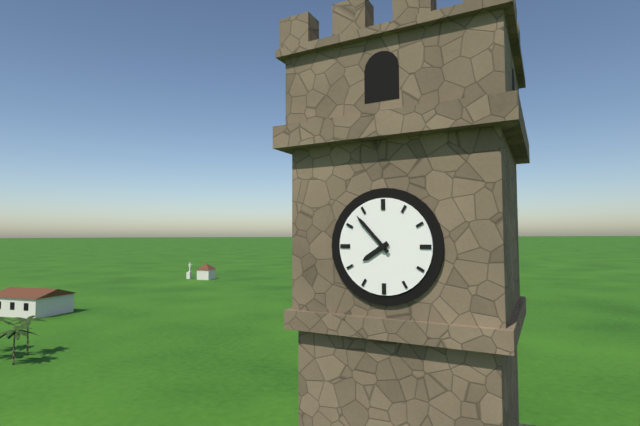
7,53
